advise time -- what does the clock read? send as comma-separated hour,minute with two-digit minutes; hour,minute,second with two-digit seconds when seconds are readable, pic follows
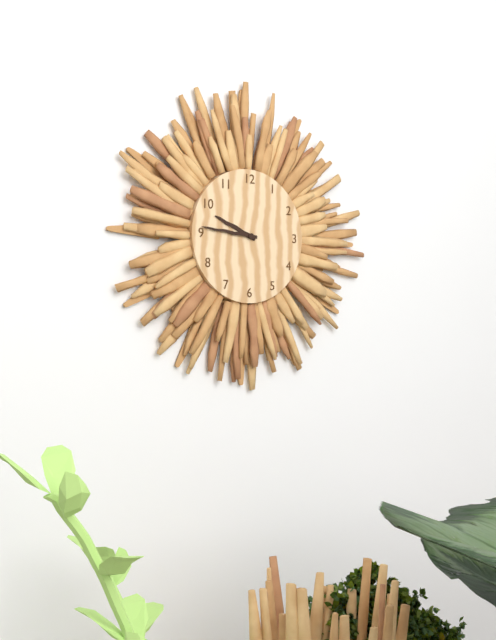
9,46
